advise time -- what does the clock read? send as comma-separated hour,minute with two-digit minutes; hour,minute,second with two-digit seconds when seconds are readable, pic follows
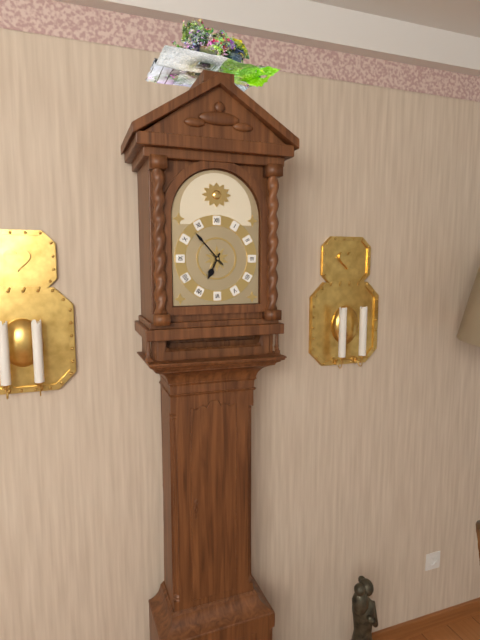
6,53
